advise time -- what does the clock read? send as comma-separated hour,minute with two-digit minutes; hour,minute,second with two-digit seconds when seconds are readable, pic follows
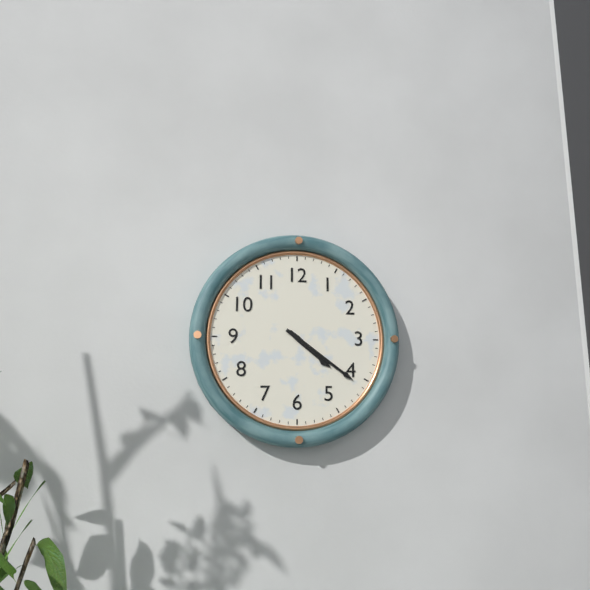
4,21
